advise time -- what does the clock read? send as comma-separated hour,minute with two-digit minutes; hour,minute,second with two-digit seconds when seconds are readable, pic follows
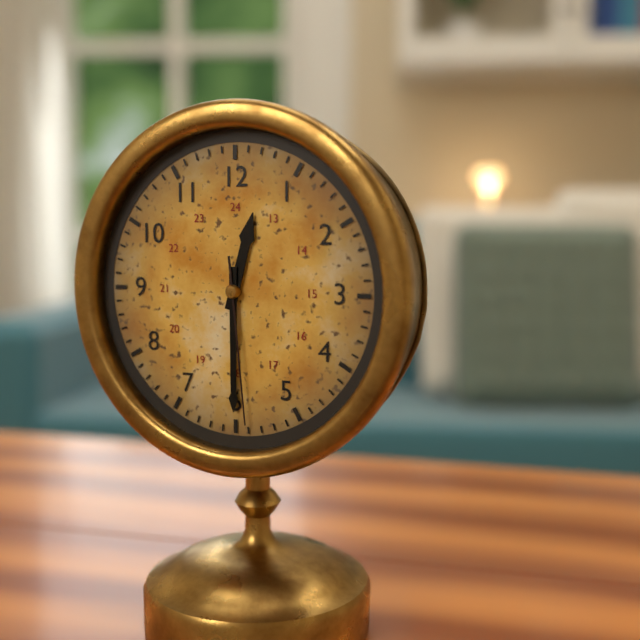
12,30,29
